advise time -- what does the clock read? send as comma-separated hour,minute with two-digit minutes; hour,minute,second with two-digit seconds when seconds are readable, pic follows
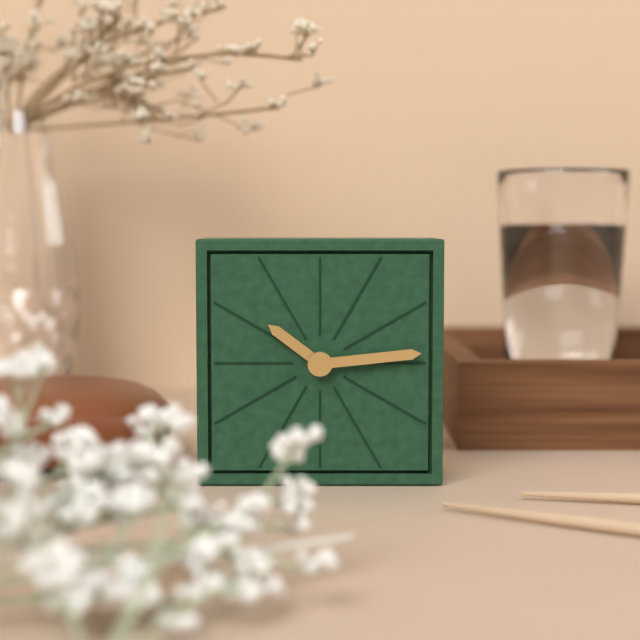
10,14
